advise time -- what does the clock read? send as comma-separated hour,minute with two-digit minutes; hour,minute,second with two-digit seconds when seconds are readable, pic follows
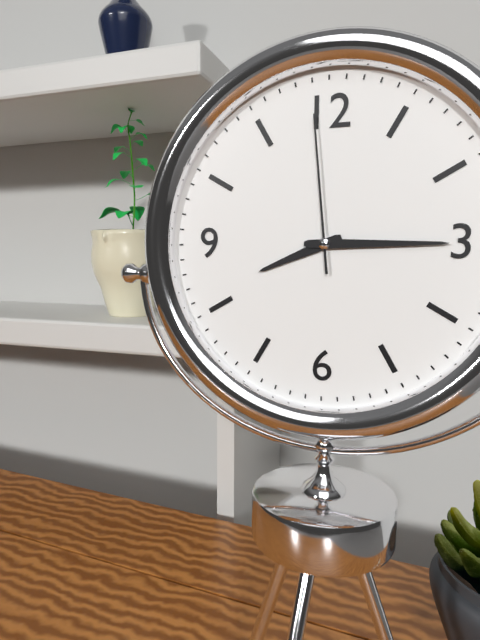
8,15,59
